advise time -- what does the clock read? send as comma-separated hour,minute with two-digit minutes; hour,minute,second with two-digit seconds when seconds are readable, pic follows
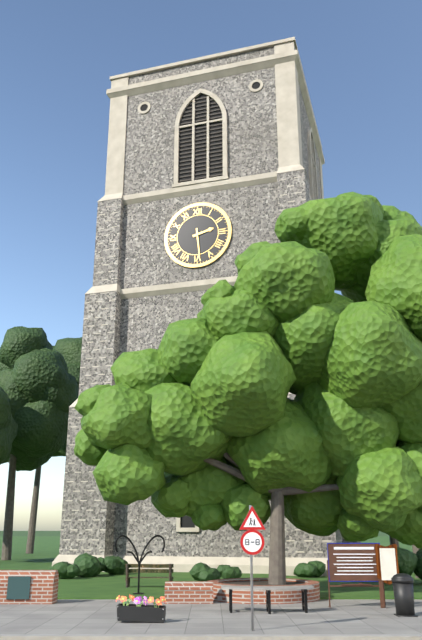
2,29
